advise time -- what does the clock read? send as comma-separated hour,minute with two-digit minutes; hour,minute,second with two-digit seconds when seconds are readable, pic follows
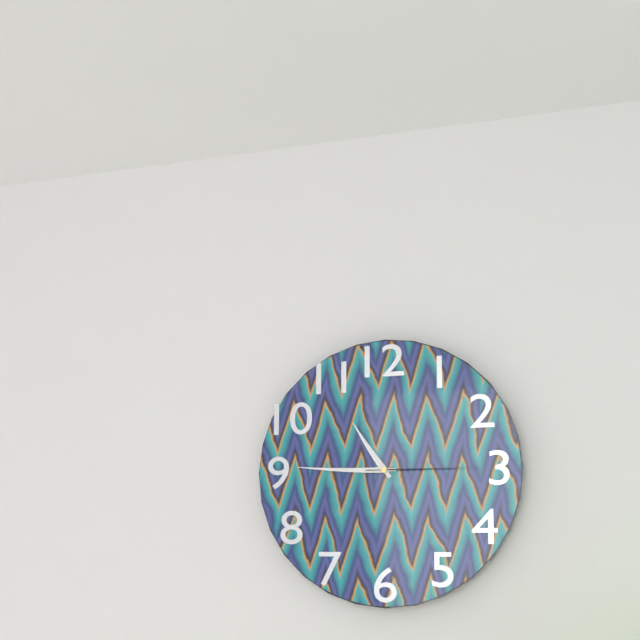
10,45,15
